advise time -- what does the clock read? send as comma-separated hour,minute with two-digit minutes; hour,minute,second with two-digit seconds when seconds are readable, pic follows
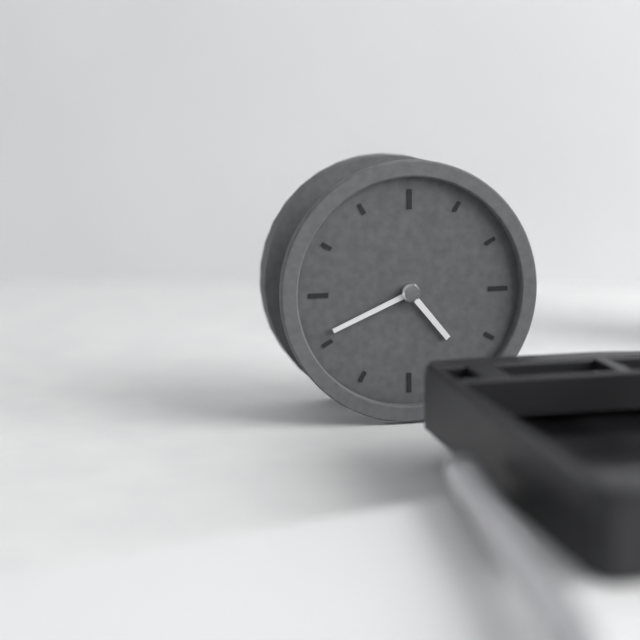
4,41
